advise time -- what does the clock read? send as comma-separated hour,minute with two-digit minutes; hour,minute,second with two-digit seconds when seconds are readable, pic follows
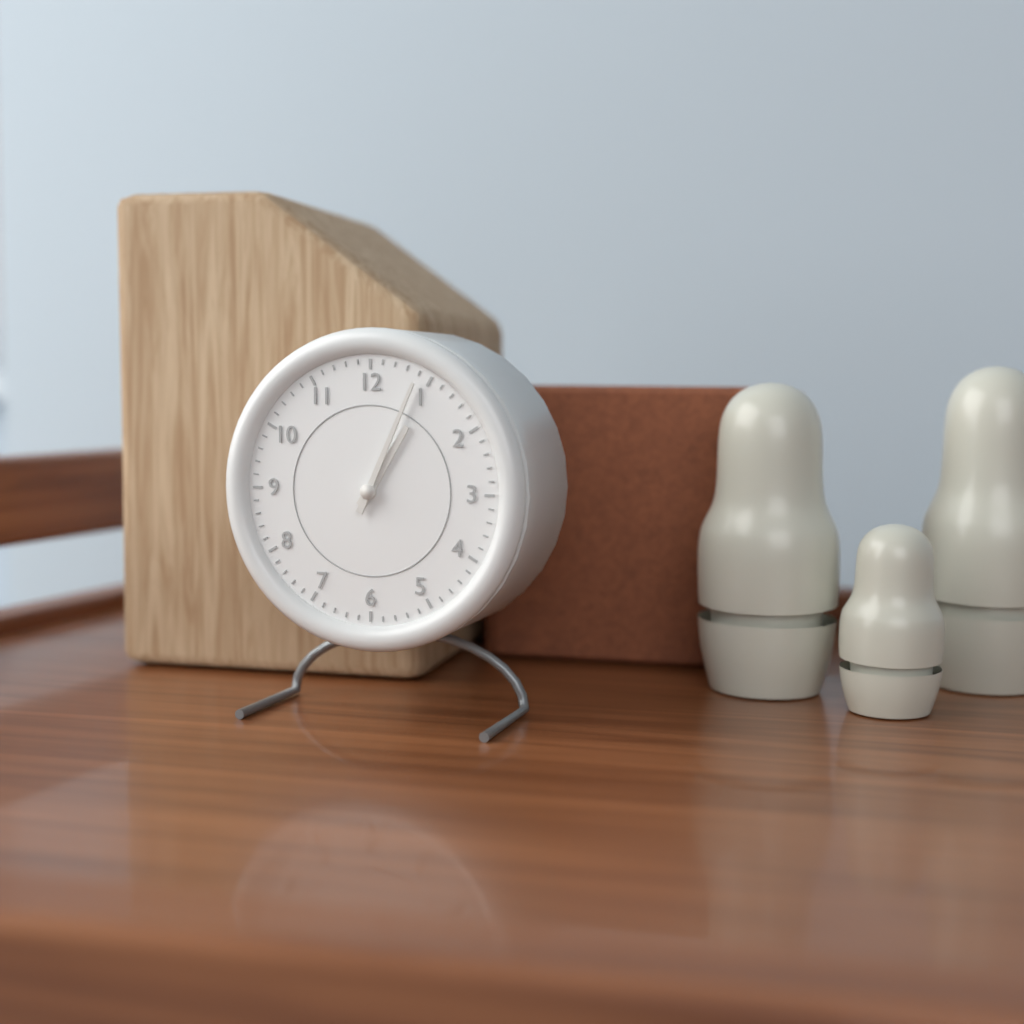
1,04
